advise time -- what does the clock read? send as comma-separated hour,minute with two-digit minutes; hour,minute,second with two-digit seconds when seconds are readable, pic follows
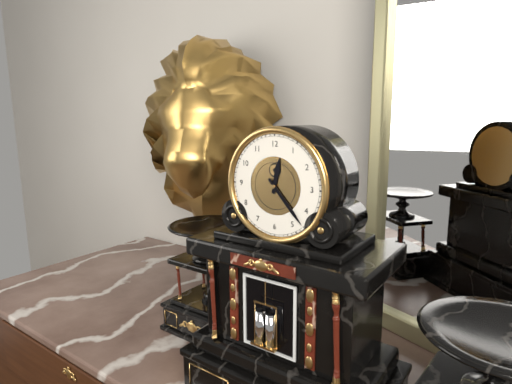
12,23
